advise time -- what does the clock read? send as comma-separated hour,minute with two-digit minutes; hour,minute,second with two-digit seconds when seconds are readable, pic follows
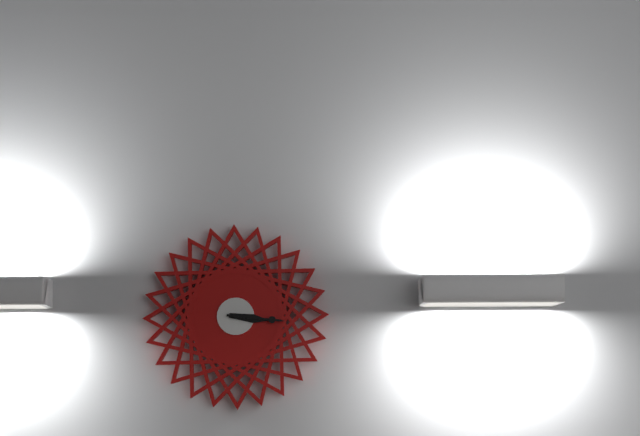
3,16
